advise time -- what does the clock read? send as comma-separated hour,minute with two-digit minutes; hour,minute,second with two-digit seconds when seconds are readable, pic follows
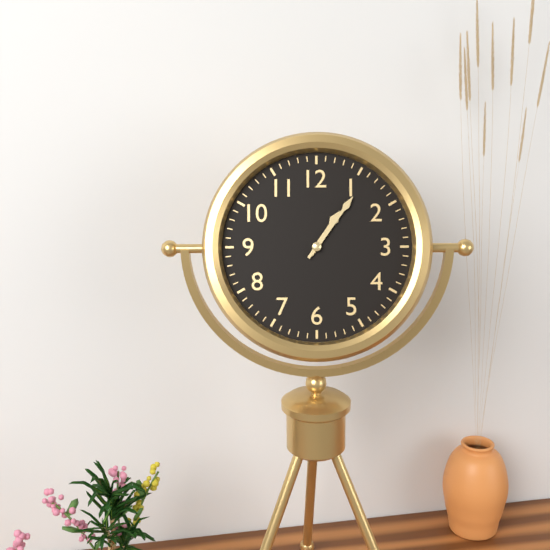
1,06
